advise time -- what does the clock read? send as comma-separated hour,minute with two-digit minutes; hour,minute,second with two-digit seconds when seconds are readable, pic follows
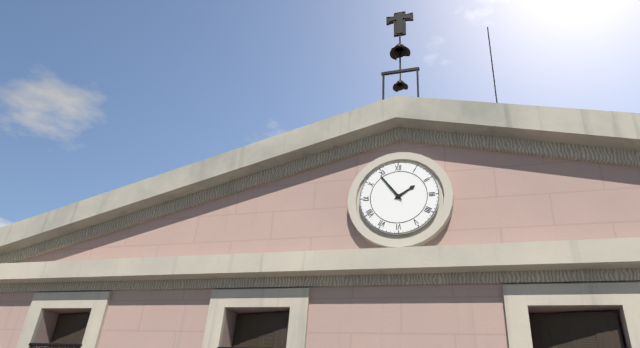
1,54
